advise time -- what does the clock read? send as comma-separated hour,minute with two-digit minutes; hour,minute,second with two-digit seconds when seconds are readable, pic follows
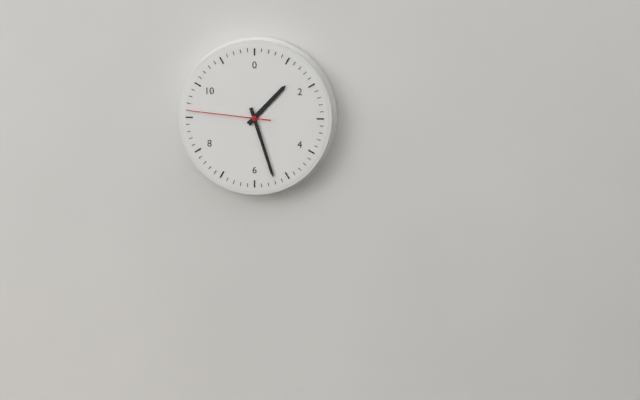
1,27,46
